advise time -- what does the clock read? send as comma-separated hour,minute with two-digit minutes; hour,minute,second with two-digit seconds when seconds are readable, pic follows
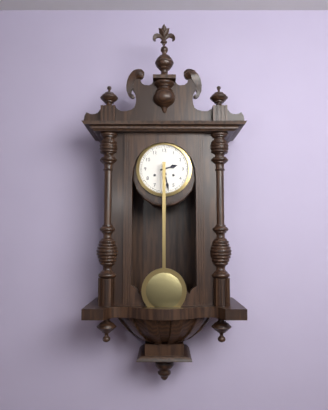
2,28
